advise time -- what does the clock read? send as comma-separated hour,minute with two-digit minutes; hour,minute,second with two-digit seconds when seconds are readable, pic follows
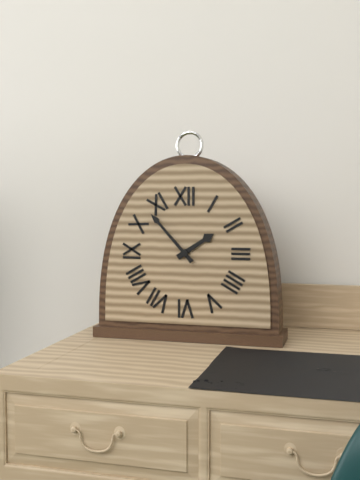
1,53
